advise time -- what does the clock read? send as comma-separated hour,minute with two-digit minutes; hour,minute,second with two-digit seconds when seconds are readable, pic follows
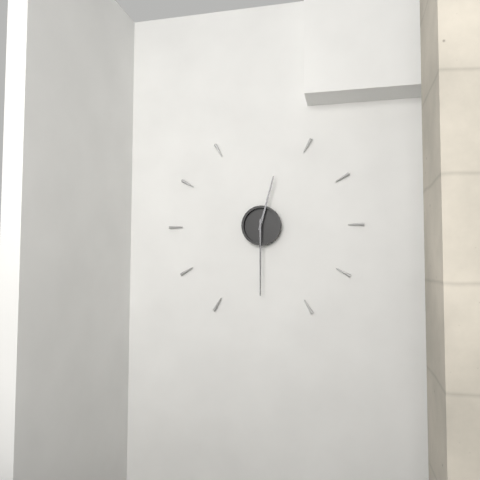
12,30
